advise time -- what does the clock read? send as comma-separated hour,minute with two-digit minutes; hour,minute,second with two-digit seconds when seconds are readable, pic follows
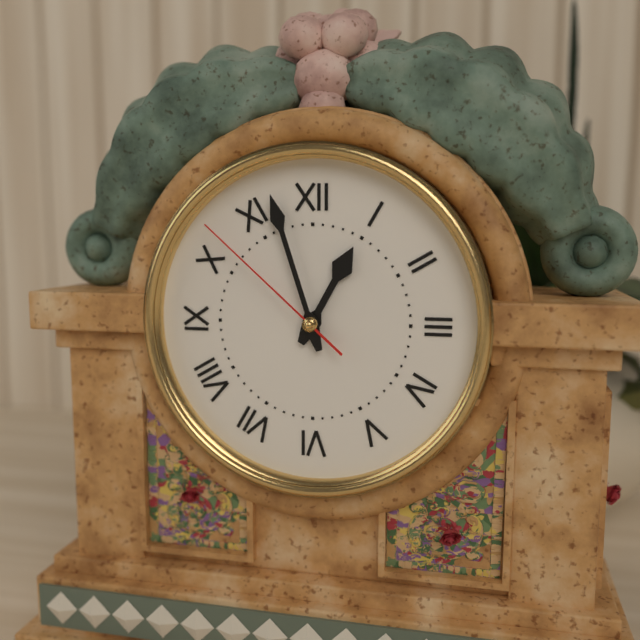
12,57,52
